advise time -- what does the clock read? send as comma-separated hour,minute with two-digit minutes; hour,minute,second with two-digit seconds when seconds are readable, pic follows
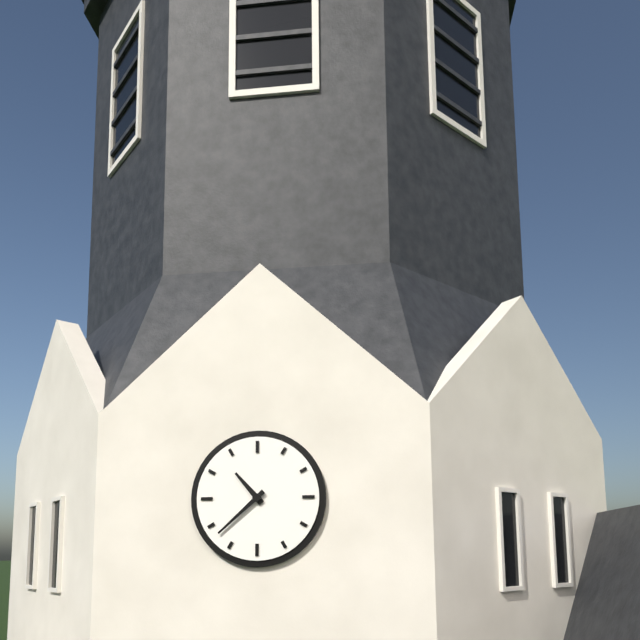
10,38
